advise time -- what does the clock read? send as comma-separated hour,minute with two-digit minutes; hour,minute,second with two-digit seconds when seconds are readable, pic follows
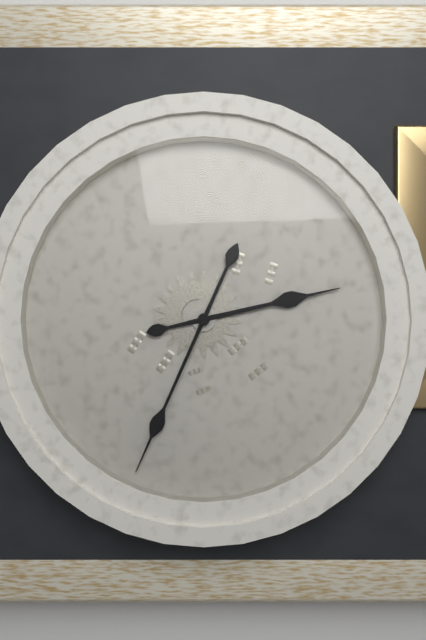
2,34
